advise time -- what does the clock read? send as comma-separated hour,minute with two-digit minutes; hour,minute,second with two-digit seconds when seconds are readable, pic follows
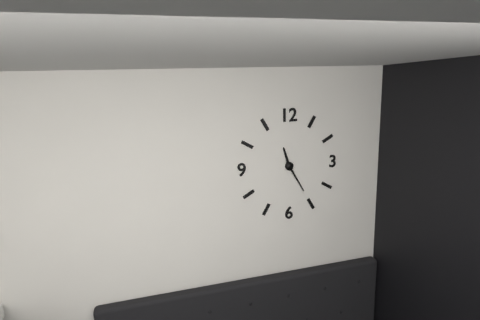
11,25
